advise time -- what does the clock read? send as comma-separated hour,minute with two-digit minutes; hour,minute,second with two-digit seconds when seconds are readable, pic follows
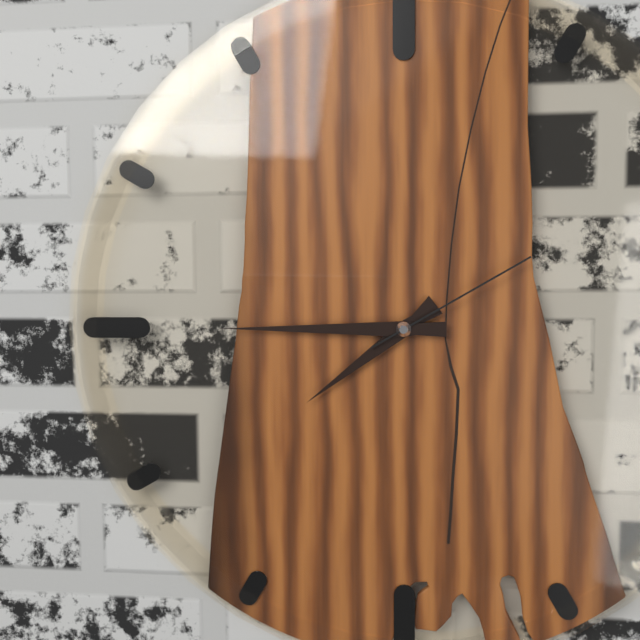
7,45,10
